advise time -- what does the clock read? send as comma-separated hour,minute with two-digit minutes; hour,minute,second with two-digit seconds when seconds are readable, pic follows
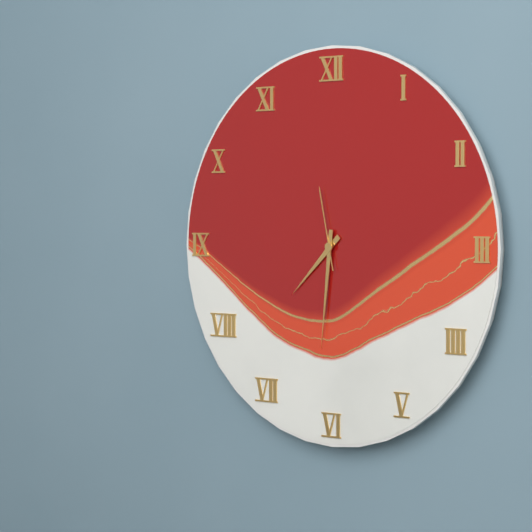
7,31,58
